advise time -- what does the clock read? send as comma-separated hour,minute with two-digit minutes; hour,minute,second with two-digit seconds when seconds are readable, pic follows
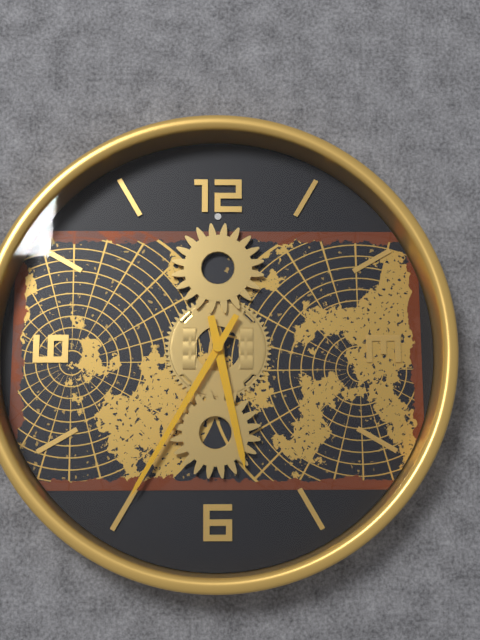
5,35
